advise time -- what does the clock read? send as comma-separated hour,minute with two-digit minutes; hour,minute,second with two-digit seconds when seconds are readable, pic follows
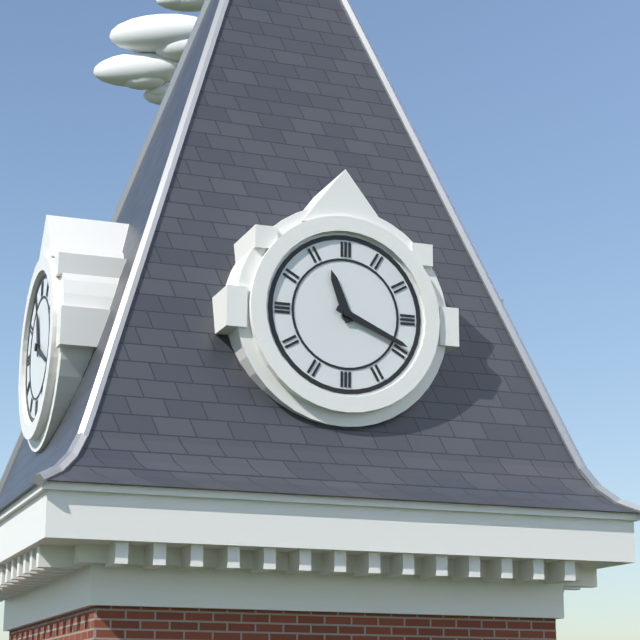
11,19
